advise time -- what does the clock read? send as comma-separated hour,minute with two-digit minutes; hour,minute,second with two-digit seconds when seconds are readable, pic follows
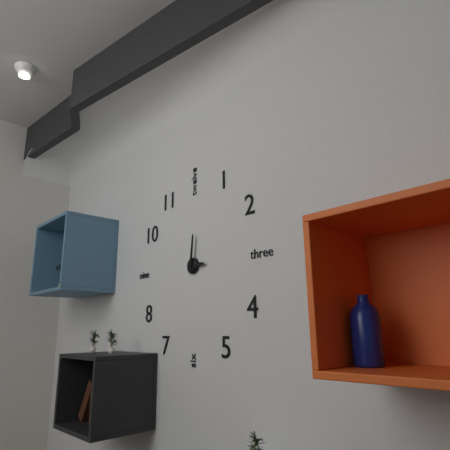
3,01
